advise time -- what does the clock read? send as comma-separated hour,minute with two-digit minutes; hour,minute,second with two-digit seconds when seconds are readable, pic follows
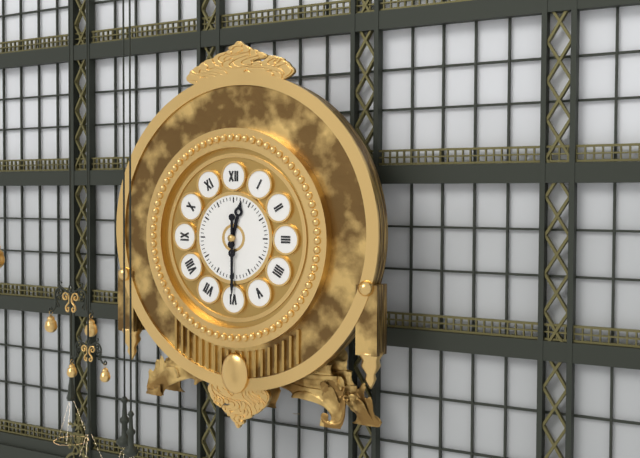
12,30
